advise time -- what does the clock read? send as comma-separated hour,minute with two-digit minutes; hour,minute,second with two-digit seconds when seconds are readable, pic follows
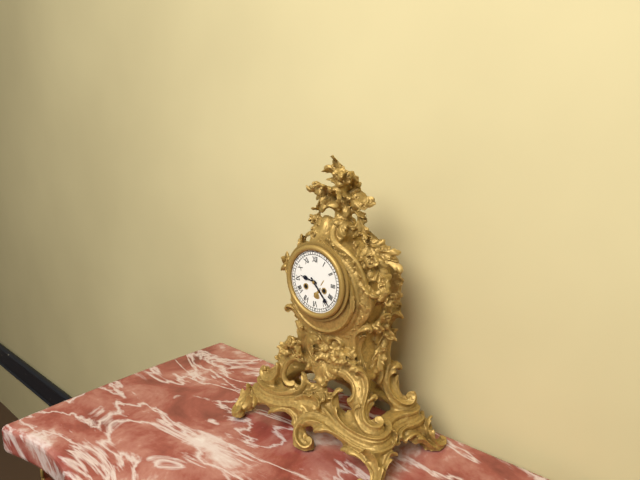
9,23
